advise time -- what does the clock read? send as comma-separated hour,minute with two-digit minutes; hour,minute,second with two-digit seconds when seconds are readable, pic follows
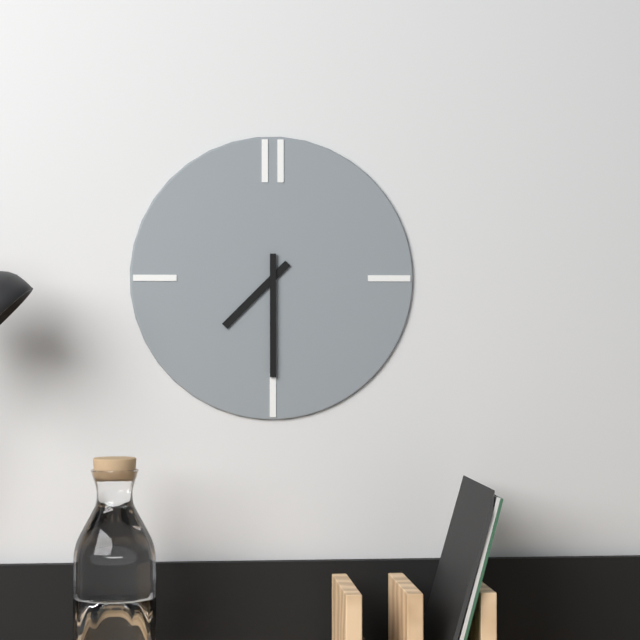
7,30
